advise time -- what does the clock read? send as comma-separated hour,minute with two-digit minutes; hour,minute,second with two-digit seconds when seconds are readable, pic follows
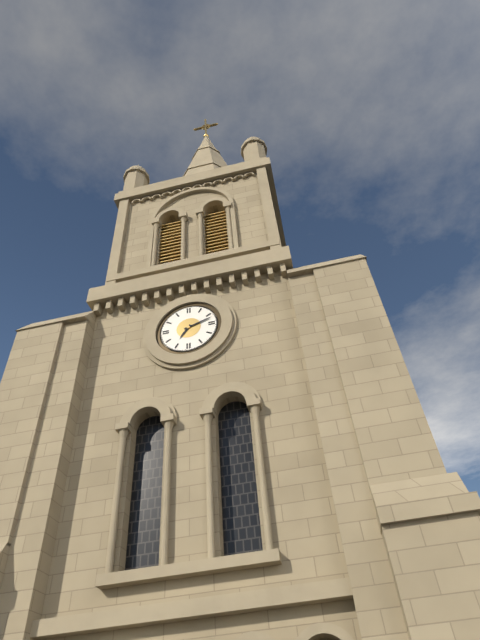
7,12
